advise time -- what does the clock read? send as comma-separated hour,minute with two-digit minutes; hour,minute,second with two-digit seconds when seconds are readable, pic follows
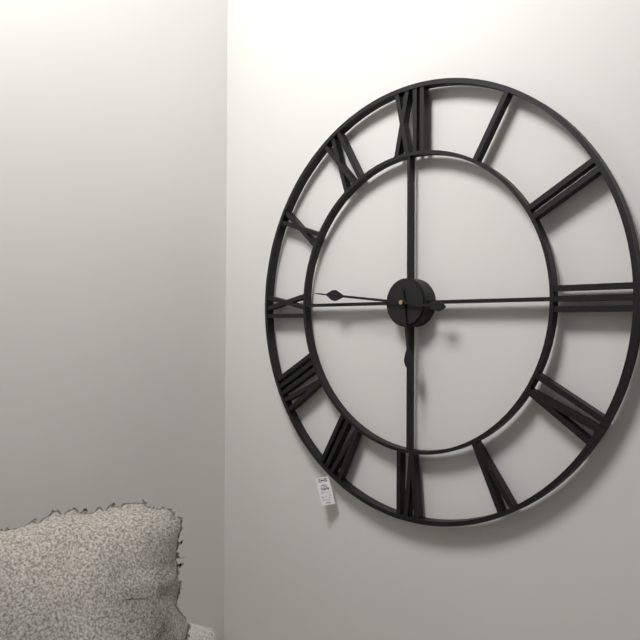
5,46
